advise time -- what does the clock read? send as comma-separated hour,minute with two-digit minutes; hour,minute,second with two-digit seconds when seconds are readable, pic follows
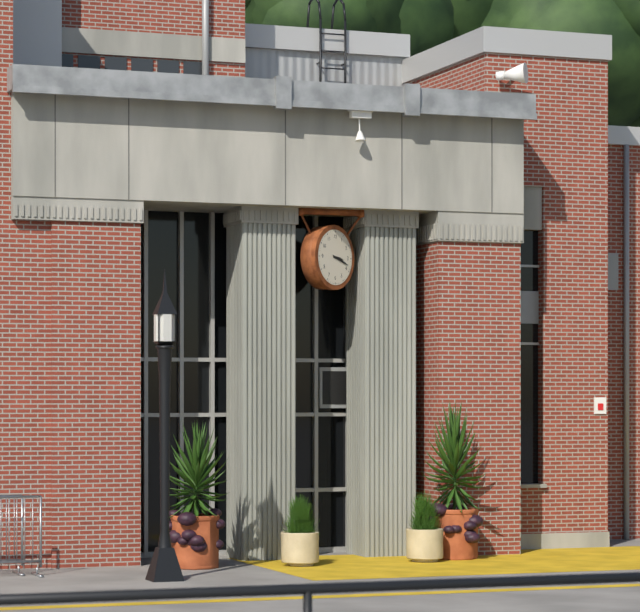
3,18
